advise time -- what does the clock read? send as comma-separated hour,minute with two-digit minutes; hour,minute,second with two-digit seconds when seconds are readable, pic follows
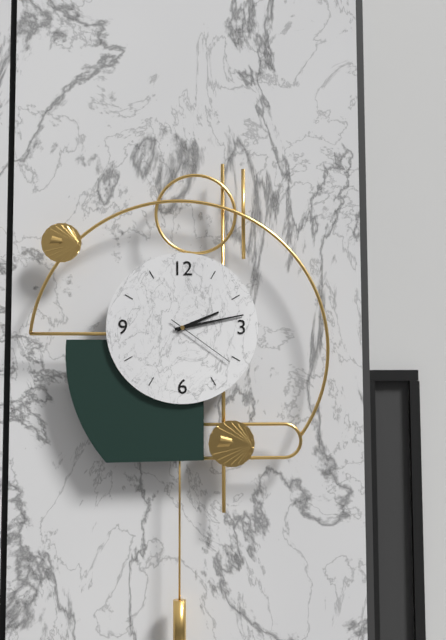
2,13,21
